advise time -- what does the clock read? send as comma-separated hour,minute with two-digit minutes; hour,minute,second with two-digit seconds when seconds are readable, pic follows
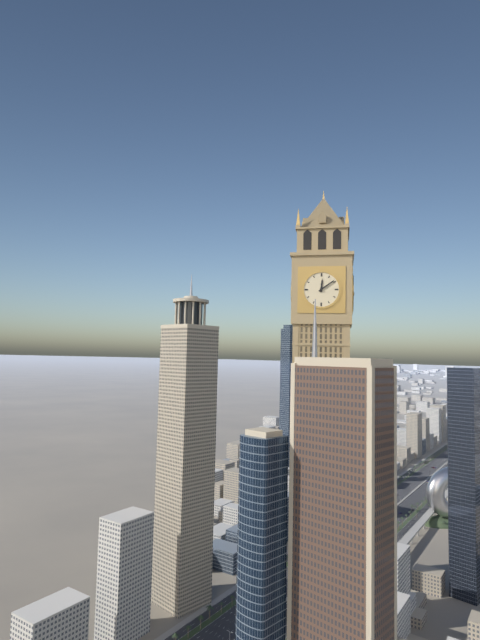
12,09
